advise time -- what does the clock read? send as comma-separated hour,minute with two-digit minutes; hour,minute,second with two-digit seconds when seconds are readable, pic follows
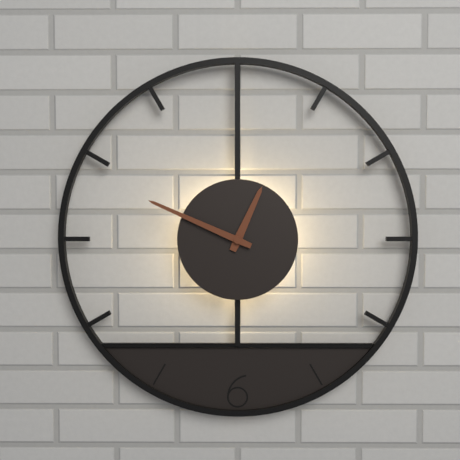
12,49
